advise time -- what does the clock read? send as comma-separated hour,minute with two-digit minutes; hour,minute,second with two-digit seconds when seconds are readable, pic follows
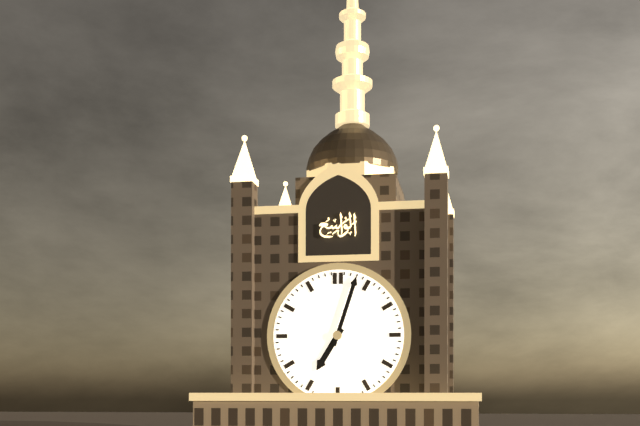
7,03
